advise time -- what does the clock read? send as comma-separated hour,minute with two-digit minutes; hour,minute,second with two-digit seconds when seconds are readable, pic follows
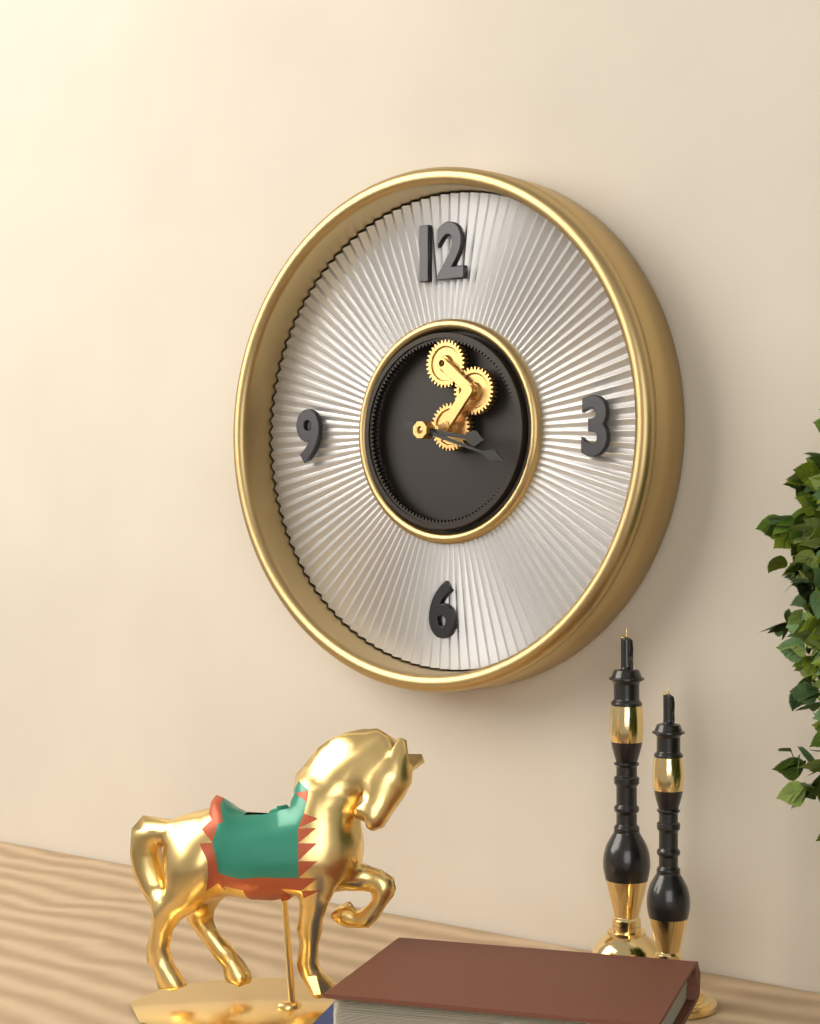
3,18
